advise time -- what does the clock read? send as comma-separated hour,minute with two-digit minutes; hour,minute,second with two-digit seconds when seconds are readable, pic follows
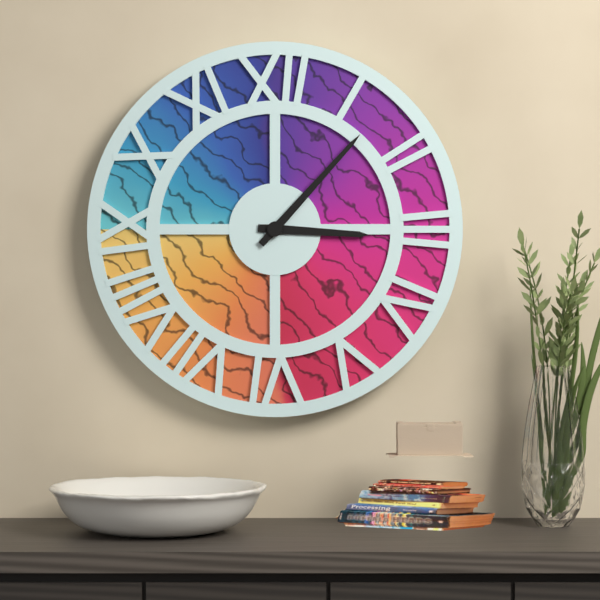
3,07
